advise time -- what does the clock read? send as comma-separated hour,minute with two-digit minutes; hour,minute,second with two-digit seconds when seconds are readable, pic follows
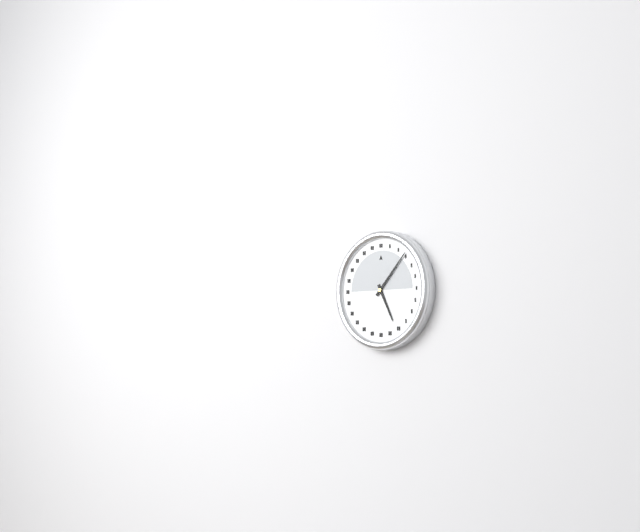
5,07
